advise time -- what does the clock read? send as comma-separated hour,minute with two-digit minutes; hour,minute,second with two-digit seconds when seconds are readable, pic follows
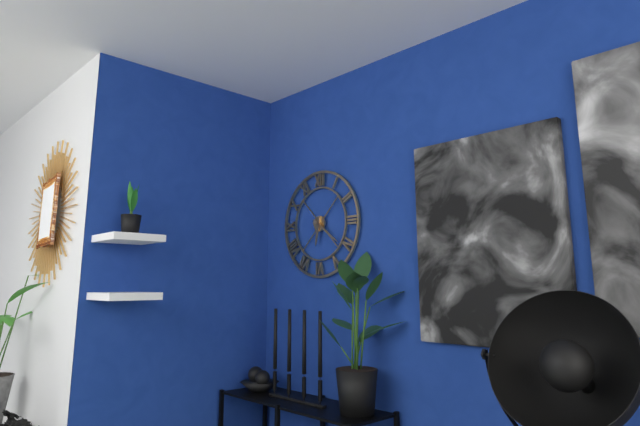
6,21
